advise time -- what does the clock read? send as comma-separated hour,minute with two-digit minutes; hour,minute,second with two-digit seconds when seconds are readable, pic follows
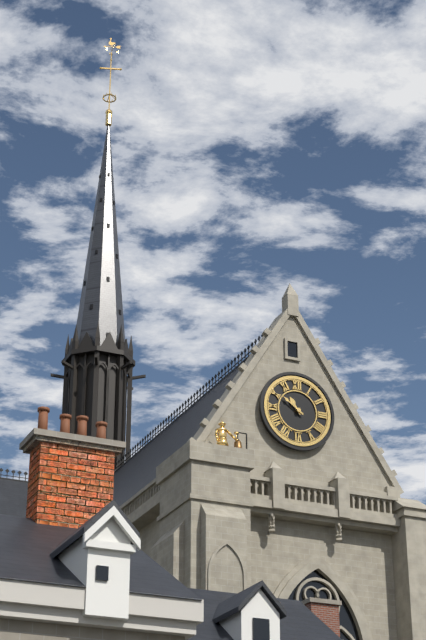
10,51
